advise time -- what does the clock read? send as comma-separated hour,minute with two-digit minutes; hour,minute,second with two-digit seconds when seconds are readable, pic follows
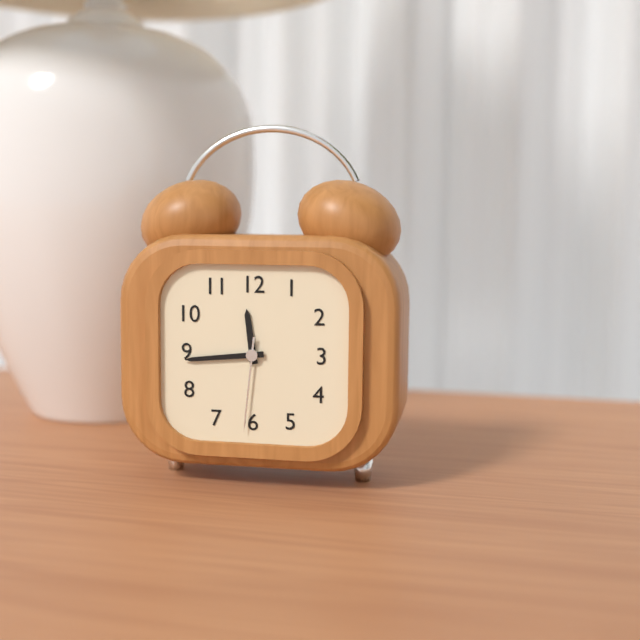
11,44,31
